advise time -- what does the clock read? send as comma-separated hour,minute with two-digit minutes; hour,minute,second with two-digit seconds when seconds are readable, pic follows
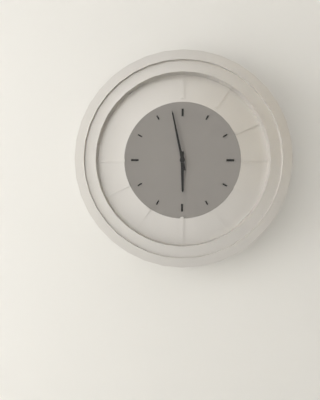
5,58
